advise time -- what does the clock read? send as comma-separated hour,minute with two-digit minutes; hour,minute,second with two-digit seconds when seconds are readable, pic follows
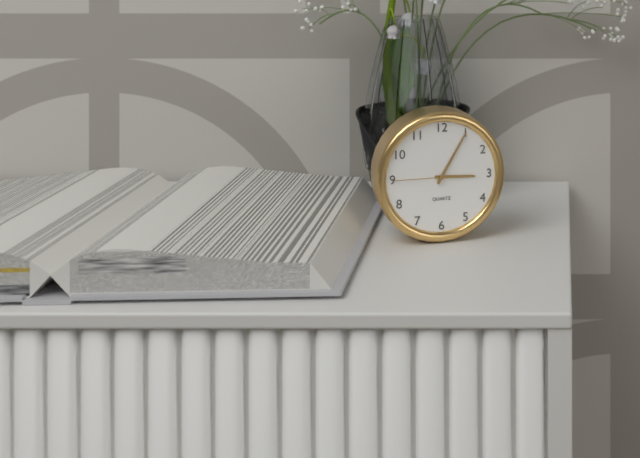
3,05,45
